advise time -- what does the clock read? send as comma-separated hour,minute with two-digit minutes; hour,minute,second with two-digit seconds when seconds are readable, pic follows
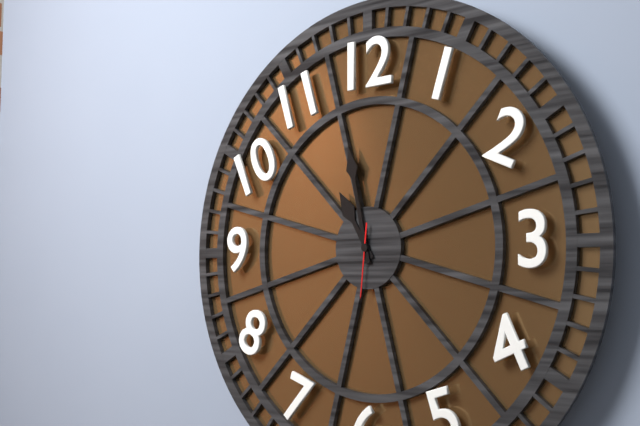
10,58,31
